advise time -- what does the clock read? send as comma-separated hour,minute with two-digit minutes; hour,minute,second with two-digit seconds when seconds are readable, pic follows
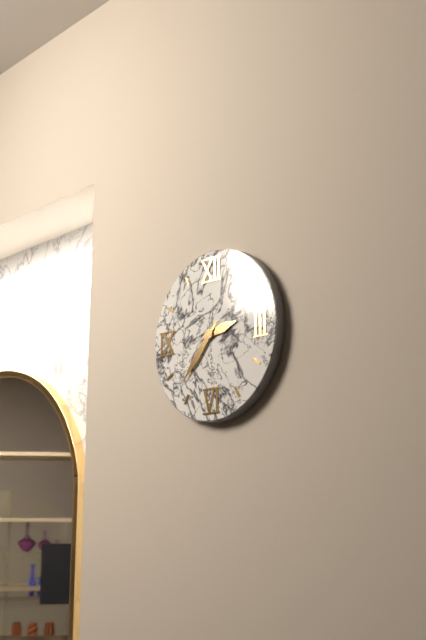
2,37
